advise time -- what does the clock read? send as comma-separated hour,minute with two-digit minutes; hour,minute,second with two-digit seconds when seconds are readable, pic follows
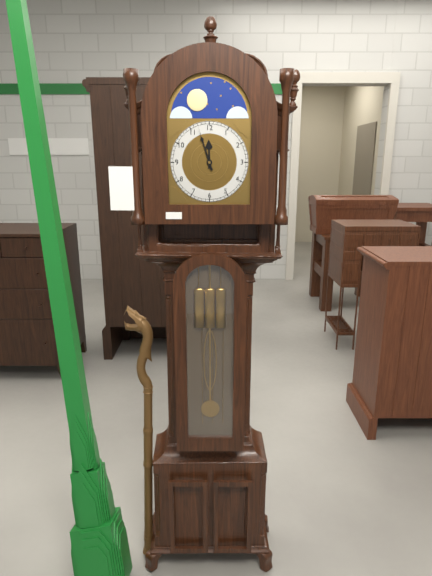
11,57
